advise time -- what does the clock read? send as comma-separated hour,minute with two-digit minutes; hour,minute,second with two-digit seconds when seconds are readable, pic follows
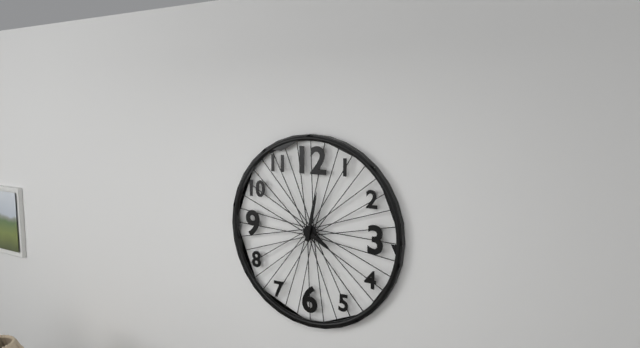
4,02
